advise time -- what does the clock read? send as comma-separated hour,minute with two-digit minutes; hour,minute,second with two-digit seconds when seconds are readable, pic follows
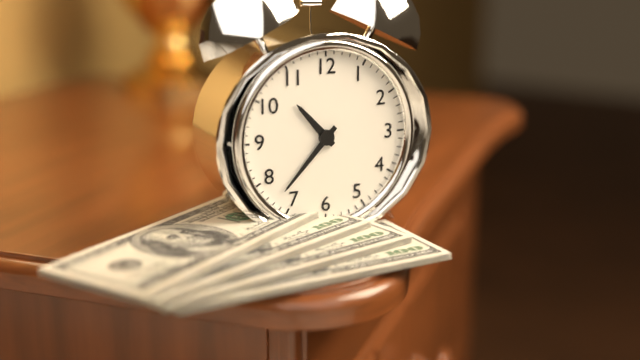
10,37
